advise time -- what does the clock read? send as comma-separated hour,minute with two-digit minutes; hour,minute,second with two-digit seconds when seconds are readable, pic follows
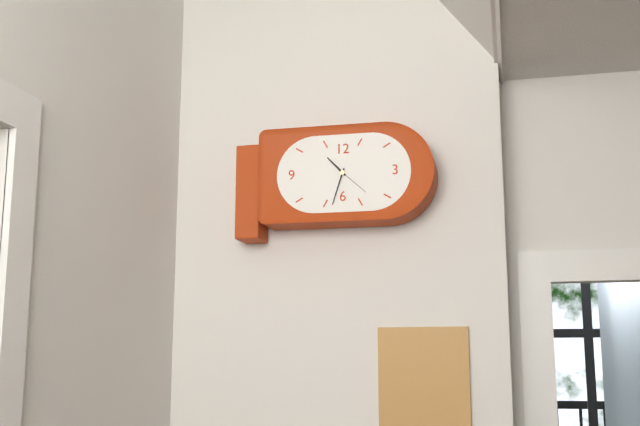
10,33
